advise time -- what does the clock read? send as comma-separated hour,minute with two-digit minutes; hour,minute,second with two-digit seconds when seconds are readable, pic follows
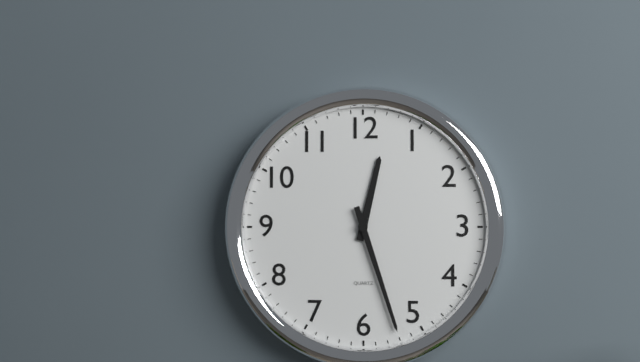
12,27
